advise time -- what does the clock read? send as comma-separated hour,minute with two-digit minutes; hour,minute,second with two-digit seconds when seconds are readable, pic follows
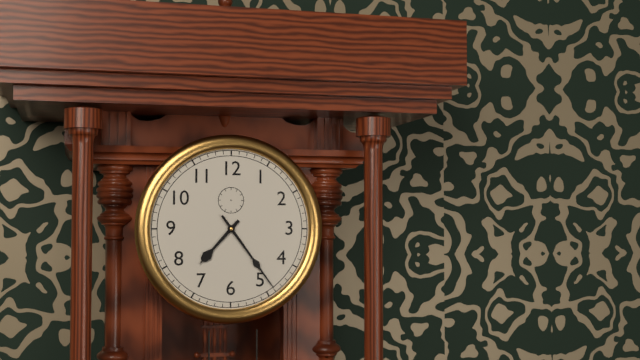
7,24
